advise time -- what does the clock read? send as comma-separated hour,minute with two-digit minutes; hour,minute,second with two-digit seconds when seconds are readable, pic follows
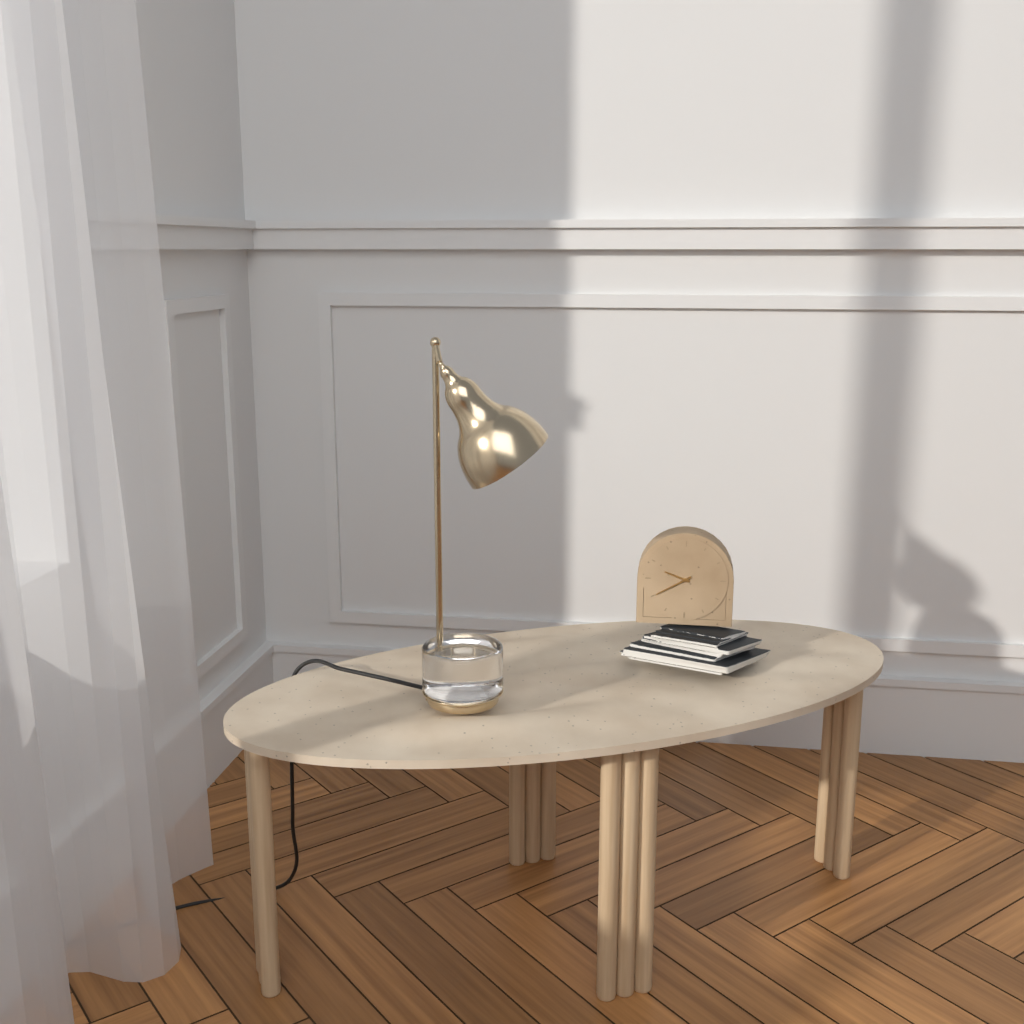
9,40
